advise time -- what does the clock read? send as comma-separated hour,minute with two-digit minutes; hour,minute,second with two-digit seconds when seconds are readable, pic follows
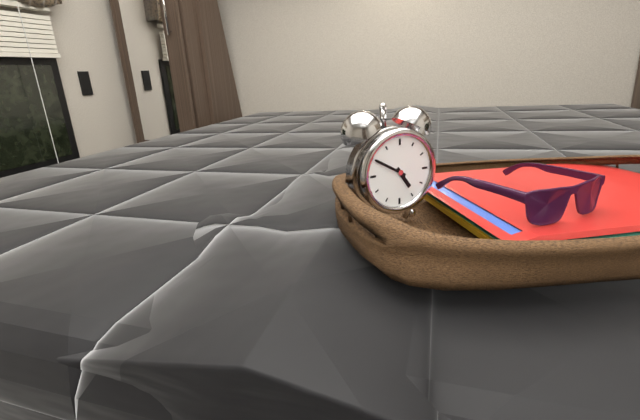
4,50
